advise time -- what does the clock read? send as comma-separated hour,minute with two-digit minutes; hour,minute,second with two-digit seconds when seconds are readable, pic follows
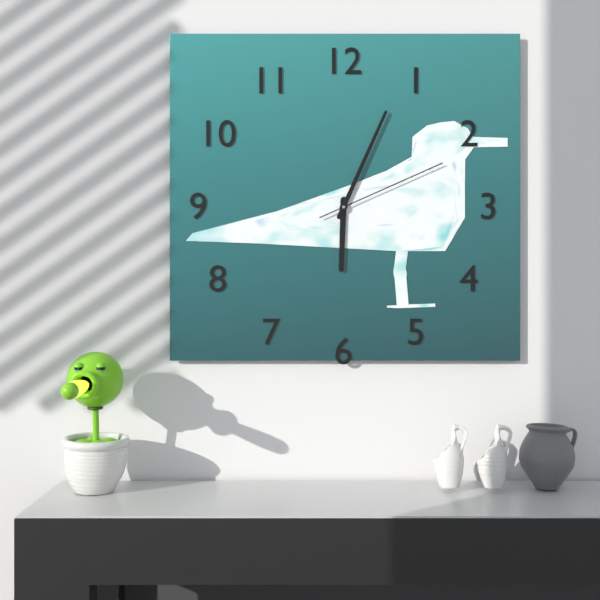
6,04,11
